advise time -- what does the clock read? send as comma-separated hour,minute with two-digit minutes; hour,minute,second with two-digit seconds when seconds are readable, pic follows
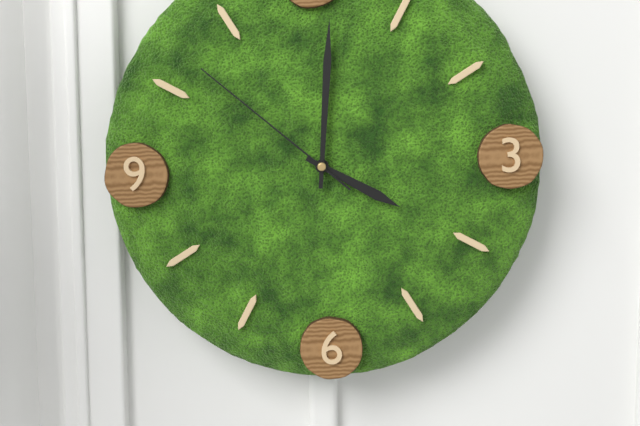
4,01,52
